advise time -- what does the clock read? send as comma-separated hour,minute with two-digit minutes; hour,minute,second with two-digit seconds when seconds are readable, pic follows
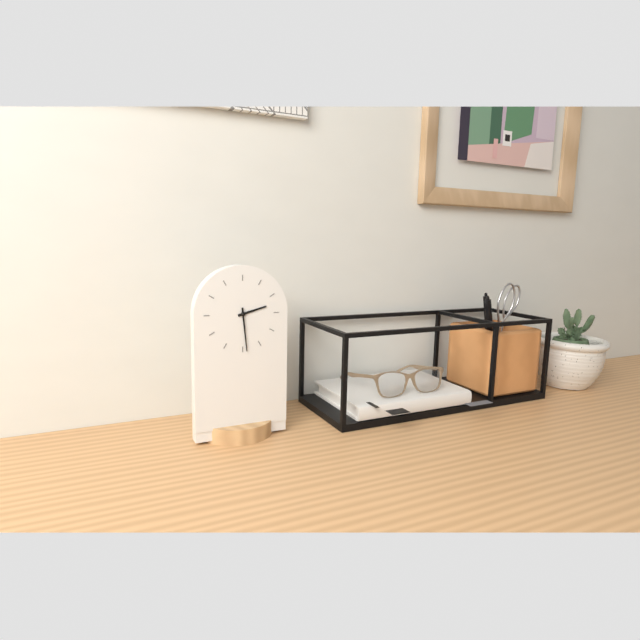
2,29
